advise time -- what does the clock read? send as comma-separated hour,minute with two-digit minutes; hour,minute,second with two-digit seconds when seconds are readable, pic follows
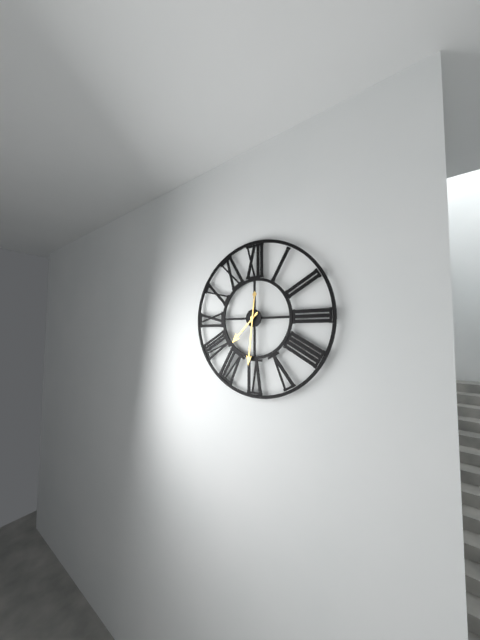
7,31
